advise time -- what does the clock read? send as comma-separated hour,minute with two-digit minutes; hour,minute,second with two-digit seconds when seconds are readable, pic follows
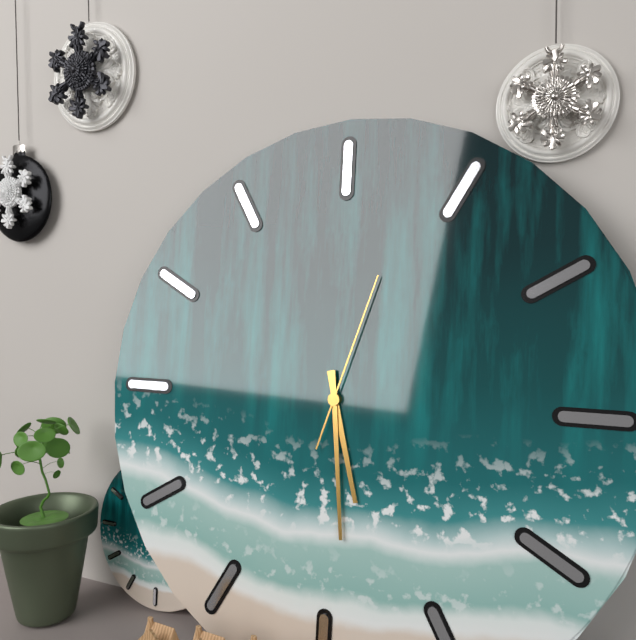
5,29,03
